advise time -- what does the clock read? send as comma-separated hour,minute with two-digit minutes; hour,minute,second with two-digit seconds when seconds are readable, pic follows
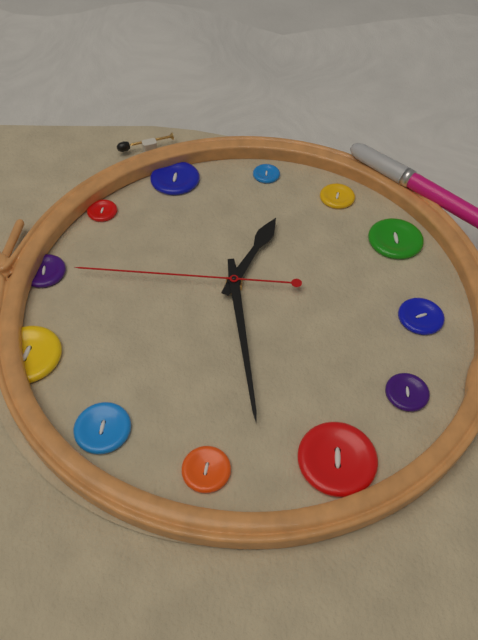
3,43,00
